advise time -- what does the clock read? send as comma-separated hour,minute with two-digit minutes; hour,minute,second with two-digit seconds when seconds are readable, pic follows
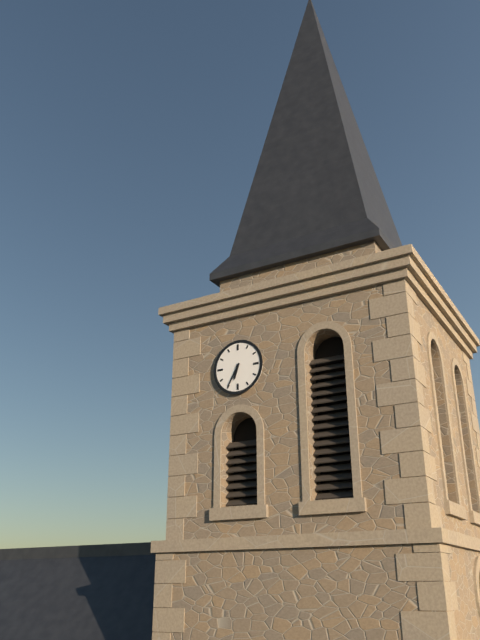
6,35
